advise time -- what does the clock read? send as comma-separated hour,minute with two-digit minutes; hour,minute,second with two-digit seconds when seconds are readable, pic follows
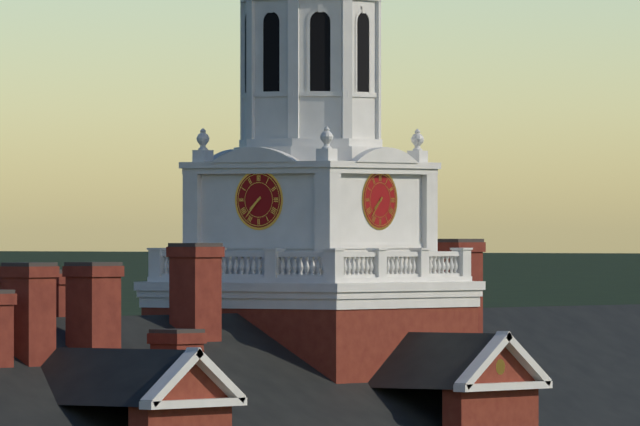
7,37
